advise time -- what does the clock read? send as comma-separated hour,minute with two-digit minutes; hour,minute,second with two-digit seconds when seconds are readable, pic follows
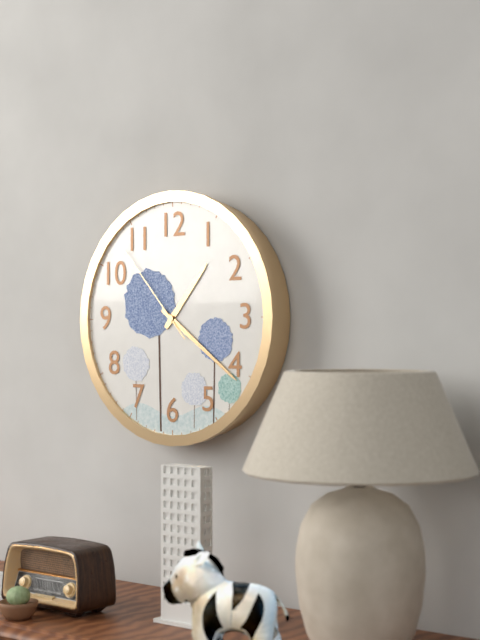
1,21,53
